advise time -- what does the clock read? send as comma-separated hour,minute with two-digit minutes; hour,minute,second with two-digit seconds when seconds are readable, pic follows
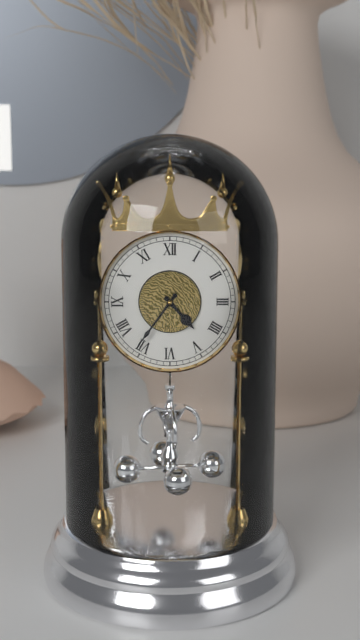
4,36
